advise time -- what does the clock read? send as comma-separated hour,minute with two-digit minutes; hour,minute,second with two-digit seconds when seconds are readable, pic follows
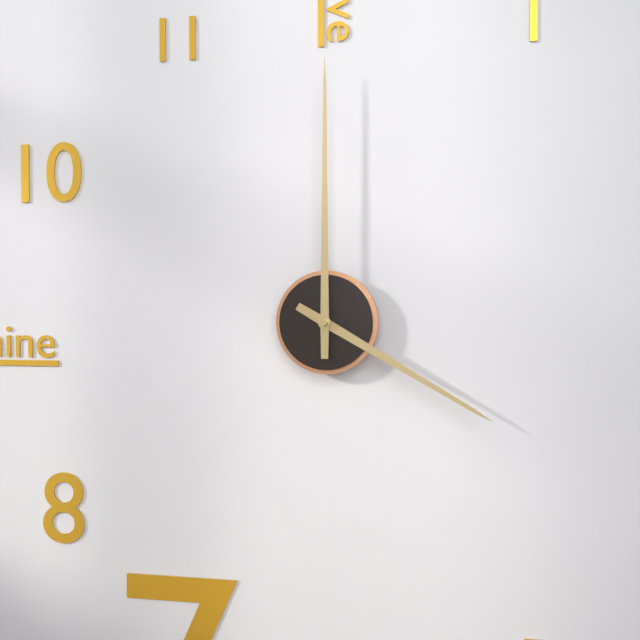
4,00
